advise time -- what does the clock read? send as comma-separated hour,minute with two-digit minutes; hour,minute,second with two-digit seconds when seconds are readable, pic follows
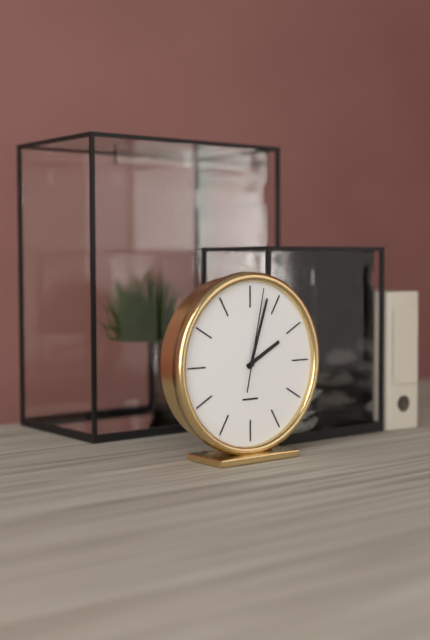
2,03,02
